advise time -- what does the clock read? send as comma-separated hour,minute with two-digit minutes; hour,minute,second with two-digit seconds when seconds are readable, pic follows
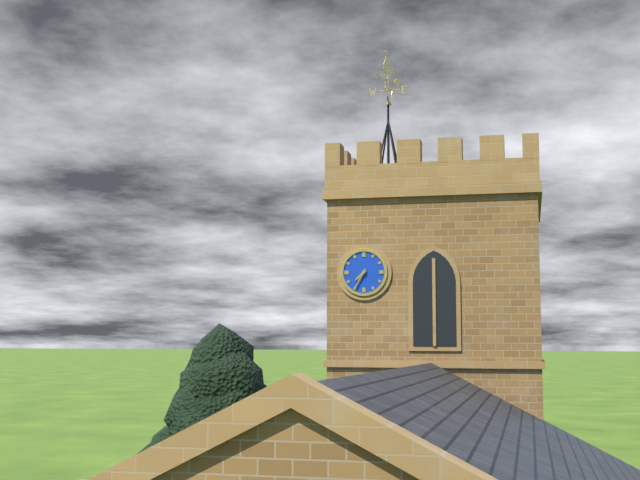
7,35
